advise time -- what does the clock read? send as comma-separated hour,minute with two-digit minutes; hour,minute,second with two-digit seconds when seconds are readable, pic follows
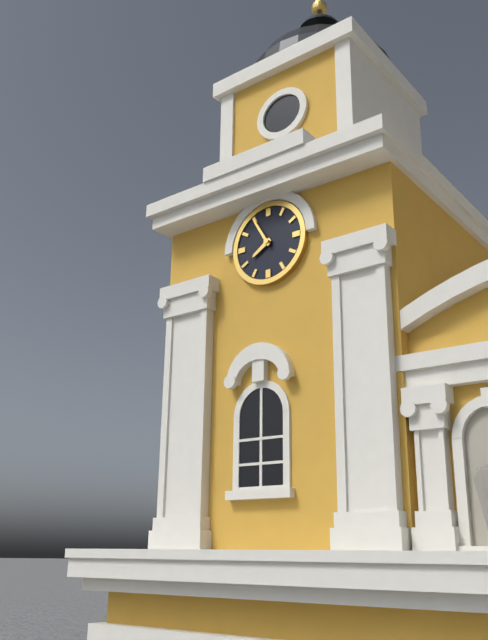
7,55
